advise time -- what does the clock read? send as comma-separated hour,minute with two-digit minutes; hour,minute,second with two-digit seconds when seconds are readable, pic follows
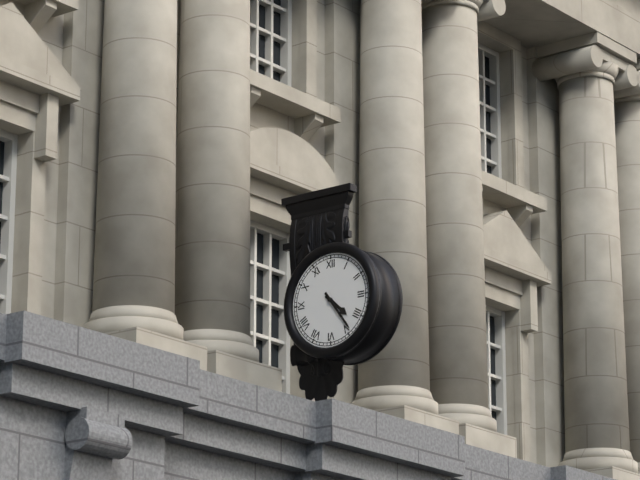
4,24
